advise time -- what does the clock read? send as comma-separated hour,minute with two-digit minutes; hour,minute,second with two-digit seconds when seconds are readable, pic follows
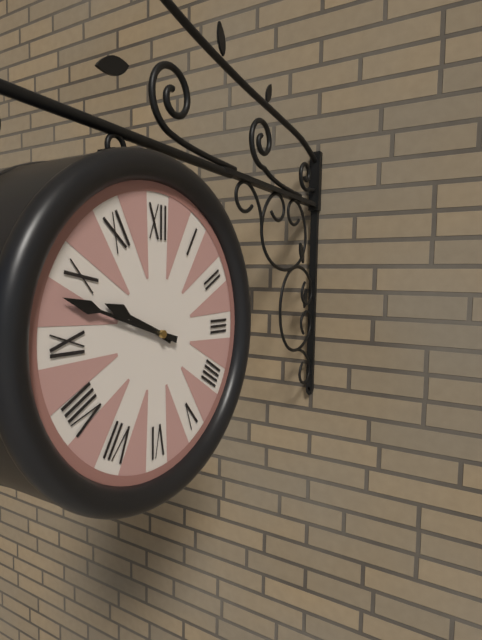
9,48
